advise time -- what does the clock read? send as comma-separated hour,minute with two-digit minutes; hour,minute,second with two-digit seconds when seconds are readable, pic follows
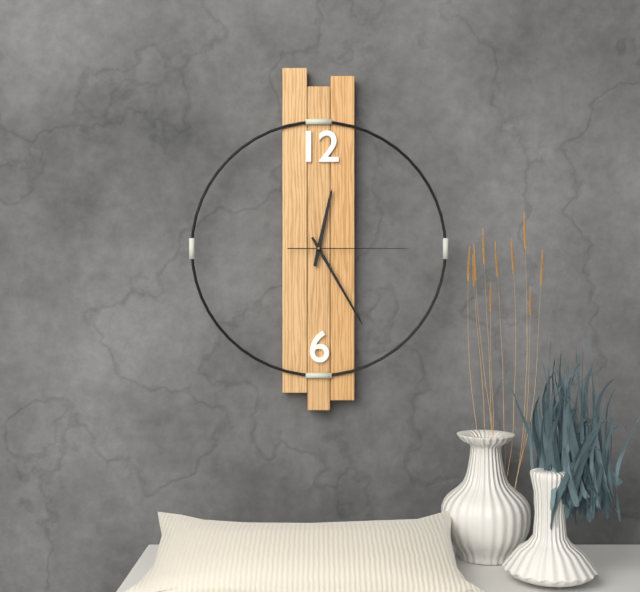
12,25,15
